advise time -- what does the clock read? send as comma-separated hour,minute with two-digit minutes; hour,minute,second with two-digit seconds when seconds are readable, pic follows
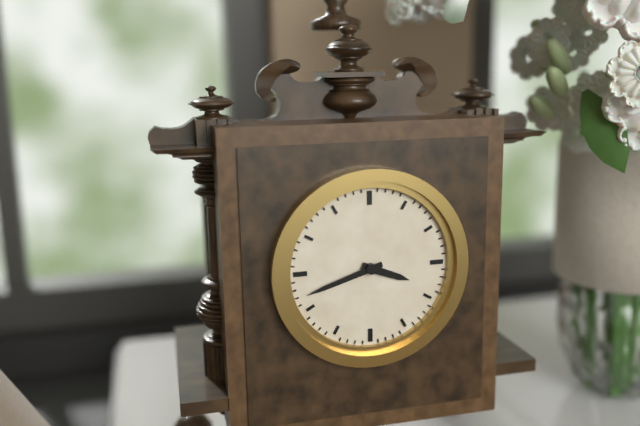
3,42
